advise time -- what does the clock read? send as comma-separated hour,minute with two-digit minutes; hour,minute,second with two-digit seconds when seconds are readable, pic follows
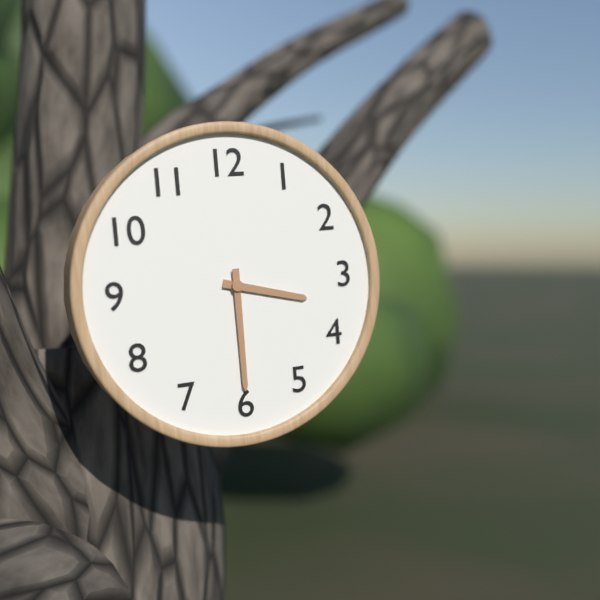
3,30
